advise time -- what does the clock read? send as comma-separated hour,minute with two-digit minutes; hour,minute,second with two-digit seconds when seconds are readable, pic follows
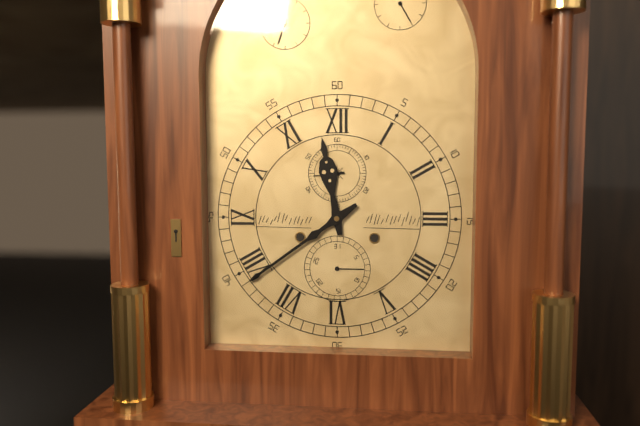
11,39
